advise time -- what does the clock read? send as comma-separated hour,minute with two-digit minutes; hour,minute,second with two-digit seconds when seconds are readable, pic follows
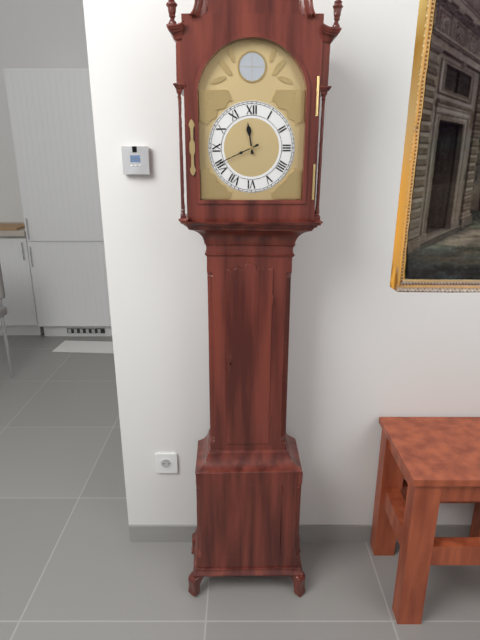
11,41
